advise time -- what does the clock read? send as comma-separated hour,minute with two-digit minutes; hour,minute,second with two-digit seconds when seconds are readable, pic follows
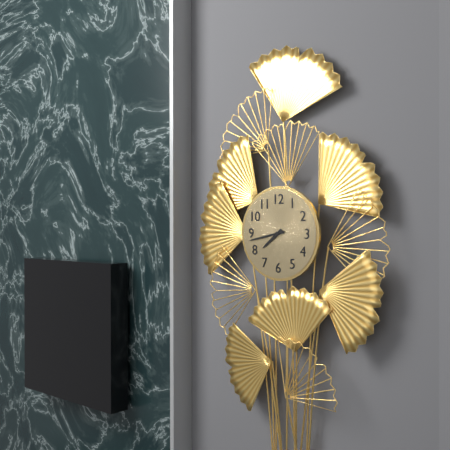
7,43
